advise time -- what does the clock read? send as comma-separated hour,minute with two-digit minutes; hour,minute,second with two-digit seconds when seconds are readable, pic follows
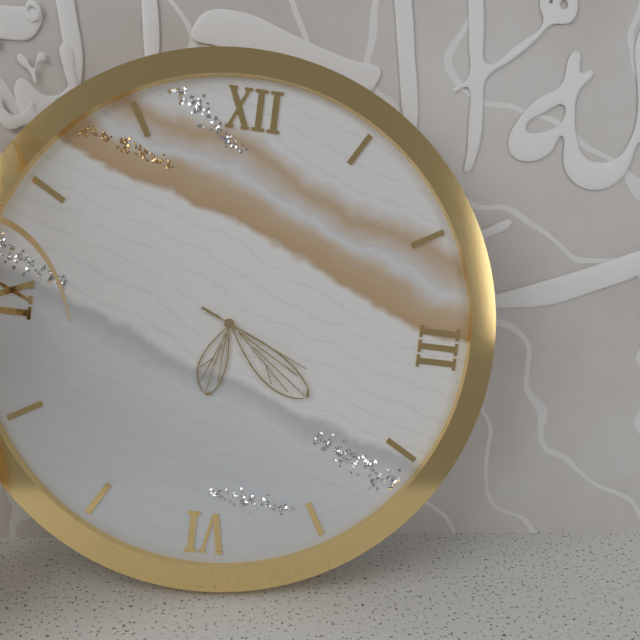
6,21,19
